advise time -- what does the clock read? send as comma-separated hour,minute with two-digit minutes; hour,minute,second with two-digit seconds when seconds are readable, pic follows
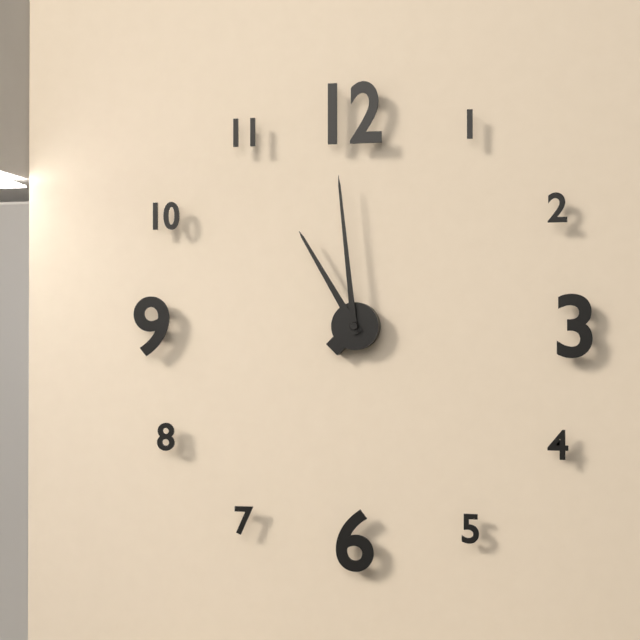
10,59
